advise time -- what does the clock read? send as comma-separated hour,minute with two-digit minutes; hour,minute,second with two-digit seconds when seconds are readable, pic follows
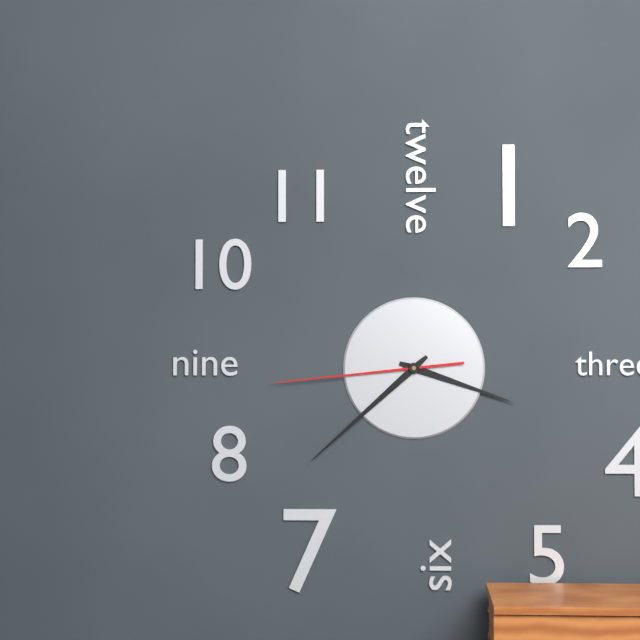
3,38,44
